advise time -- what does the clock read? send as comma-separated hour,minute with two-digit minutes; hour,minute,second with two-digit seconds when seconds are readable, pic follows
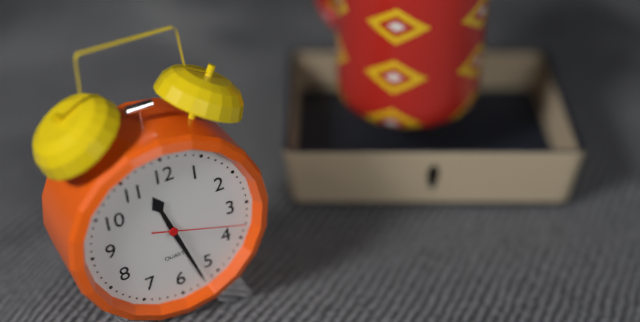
11,27,18
